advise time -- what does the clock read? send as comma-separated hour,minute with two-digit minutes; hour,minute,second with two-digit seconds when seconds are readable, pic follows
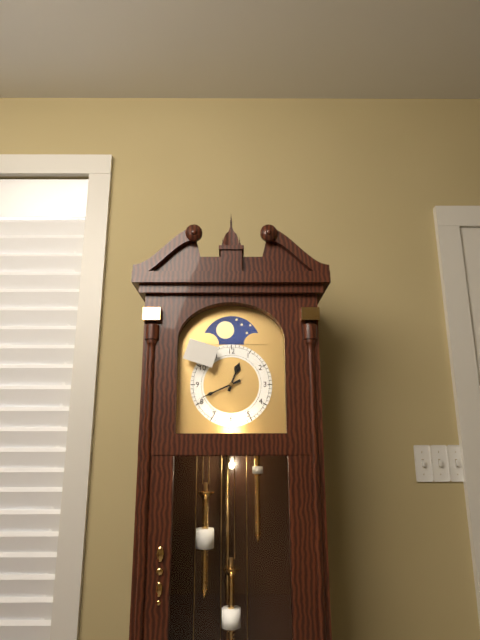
12,41
